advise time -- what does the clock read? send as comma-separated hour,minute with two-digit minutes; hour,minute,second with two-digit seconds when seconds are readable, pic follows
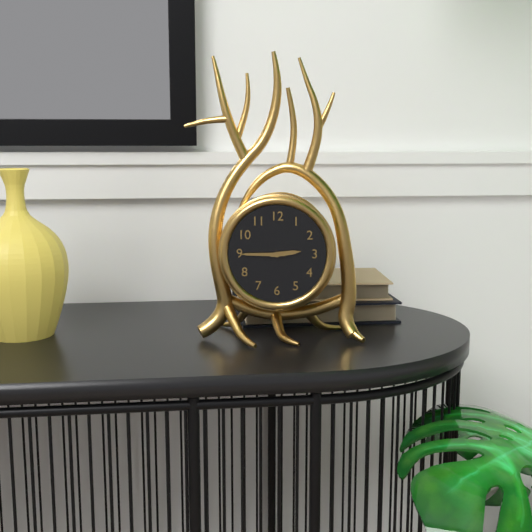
2,45
